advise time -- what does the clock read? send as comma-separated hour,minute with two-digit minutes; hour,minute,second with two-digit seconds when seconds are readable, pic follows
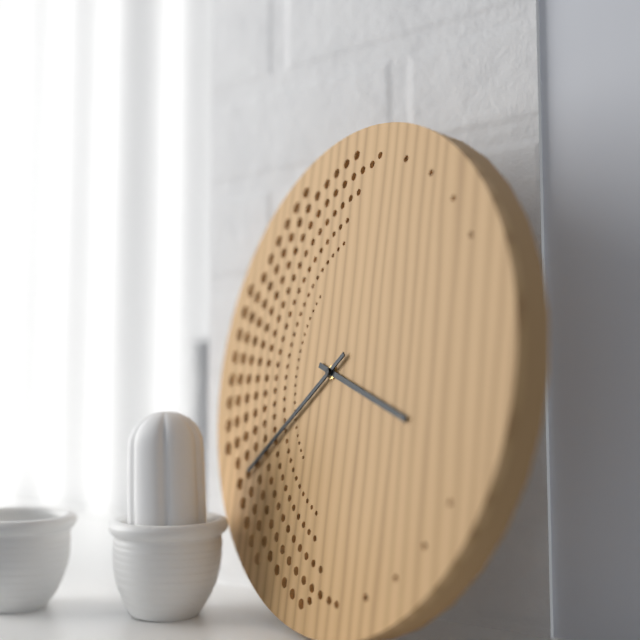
3,39
